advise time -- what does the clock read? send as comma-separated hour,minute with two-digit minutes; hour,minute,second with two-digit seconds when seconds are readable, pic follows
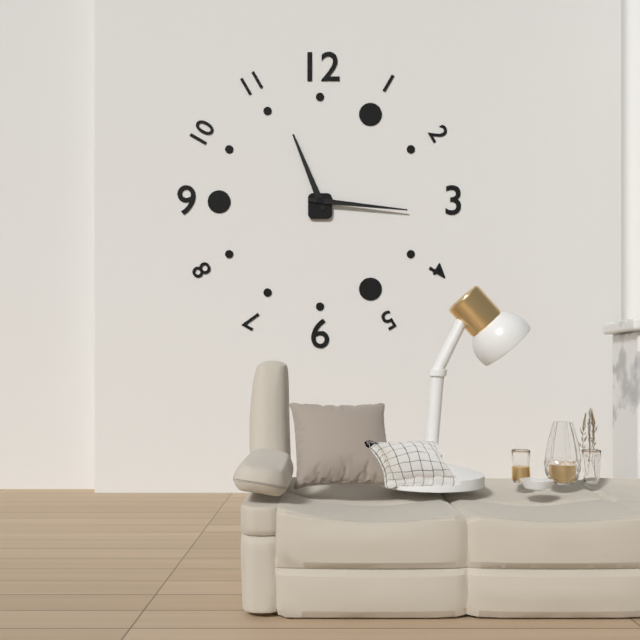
11,16
